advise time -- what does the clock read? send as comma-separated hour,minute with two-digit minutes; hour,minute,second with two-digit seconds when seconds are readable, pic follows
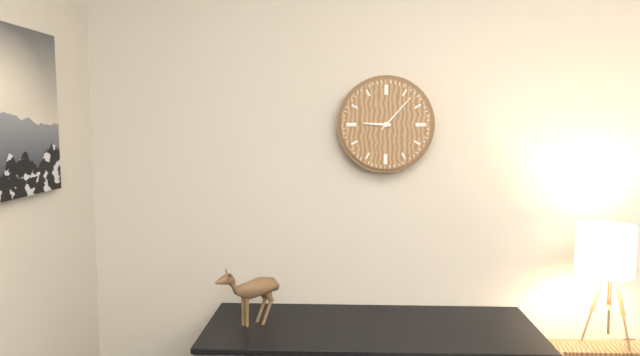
9,07
